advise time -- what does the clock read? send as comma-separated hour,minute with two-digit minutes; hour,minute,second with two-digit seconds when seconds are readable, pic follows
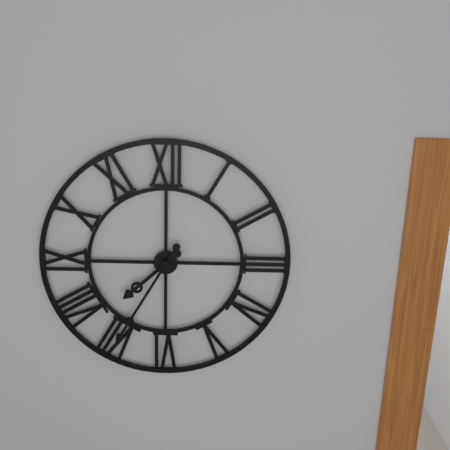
7,35
